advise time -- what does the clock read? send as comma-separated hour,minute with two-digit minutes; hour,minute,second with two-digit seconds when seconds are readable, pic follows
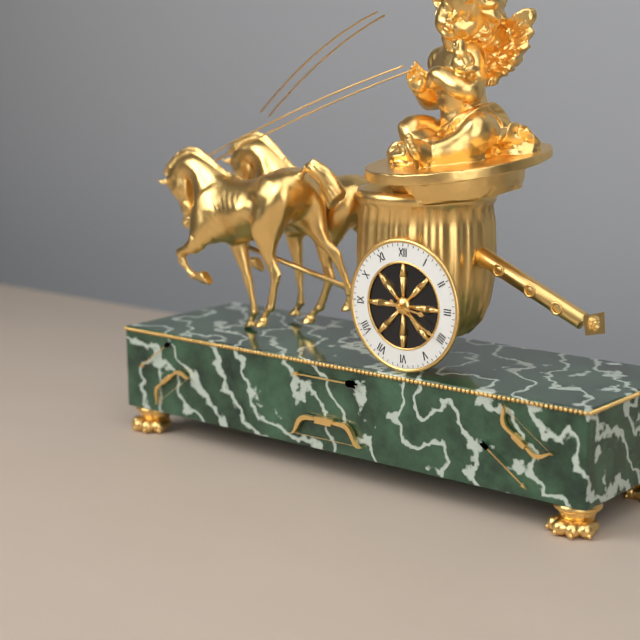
3,20
